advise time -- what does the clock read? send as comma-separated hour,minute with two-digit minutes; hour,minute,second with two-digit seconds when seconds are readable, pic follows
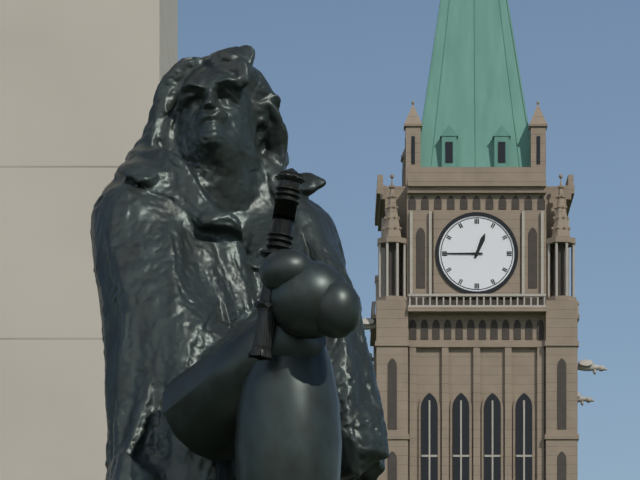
12,45
